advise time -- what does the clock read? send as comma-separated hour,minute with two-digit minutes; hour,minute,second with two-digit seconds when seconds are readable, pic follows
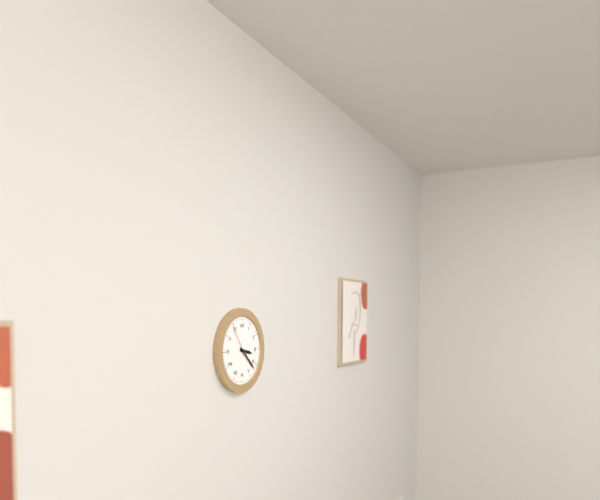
3,22
